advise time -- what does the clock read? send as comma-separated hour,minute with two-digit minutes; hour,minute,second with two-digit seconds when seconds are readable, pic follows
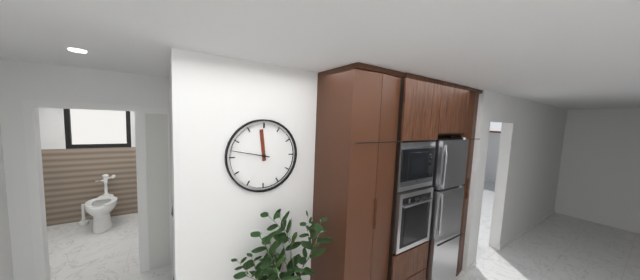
11,47
